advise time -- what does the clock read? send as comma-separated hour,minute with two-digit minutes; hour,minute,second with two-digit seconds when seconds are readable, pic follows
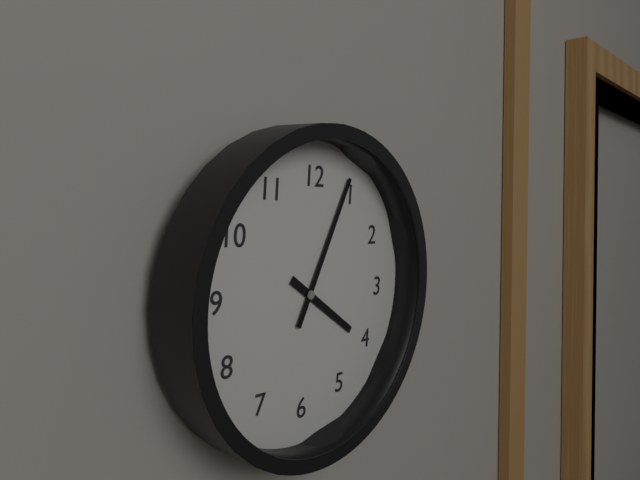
4,04
